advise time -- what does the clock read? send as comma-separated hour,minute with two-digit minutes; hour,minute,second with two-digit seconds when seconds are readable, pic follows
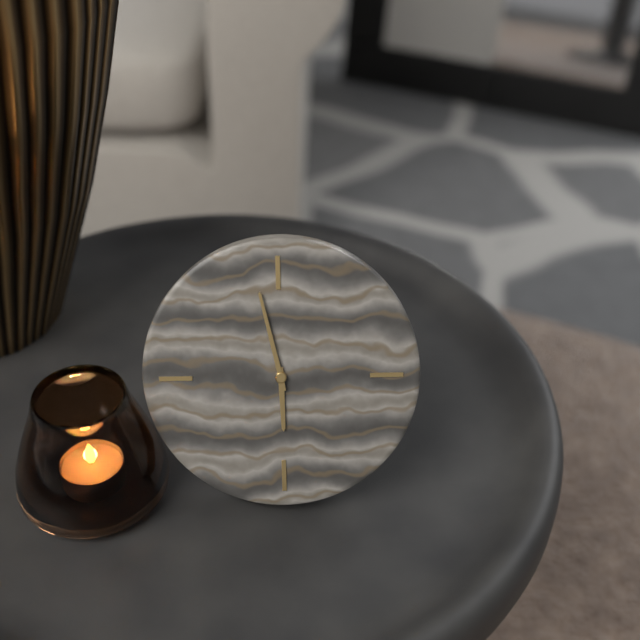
5,58
